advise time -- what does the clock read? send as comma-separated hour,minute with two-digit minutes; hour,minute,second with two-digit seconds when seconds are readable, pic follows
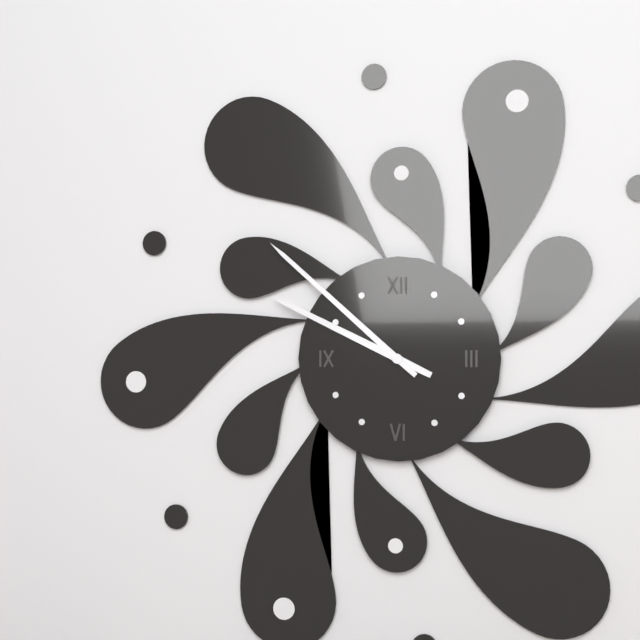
9,52
